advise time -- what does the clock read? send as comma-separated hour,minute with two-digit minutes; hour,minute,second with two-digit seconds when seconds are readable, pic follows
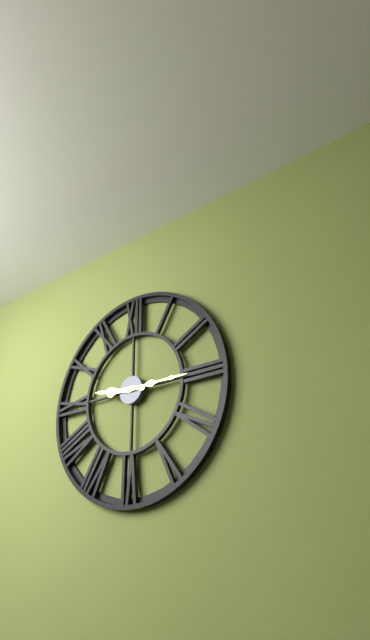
9,15
